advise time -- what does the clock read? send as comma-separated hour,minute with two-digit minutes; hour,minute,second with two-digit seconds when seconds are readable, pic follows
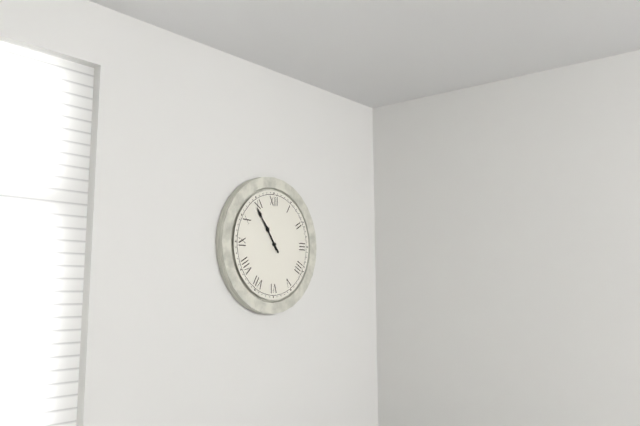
10,54
